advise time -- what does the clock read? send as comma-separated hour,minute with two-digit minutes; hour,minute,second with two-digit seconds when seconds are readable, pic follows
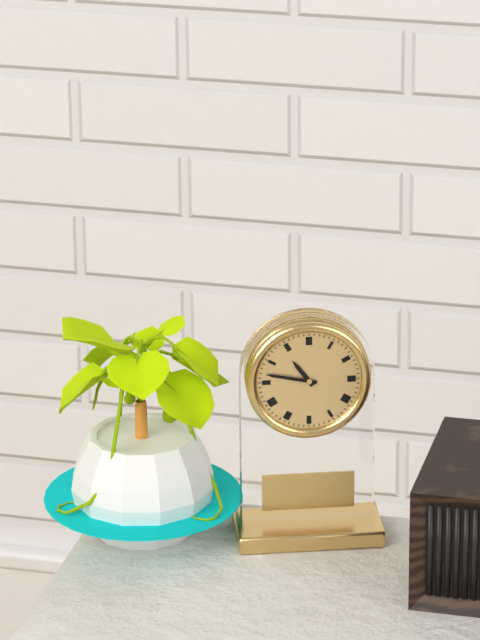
10,47
